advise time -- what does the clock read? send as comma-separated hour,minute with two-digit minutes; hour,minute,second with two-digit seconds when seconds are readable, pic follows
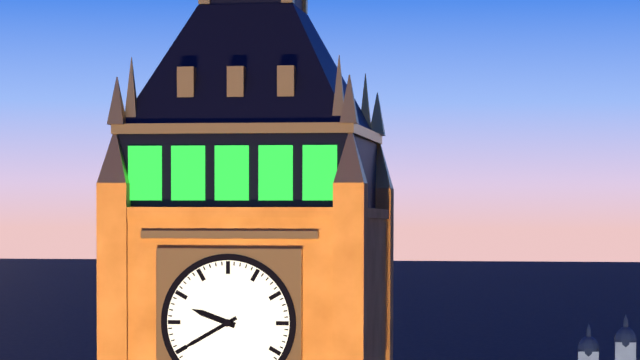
9,40
